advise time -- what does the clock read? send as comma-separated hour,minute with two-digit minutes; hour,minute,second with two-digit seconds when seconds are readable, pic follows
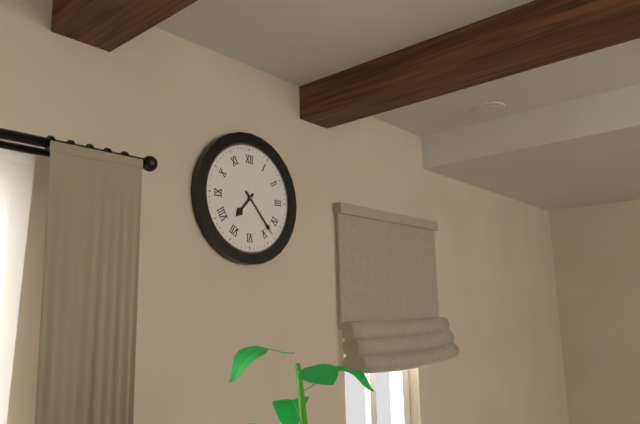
7,23
